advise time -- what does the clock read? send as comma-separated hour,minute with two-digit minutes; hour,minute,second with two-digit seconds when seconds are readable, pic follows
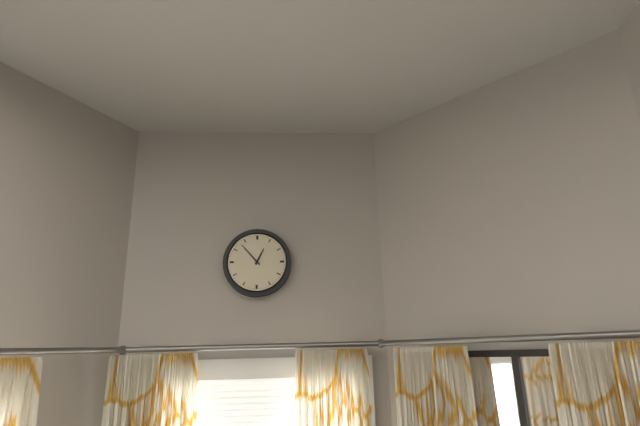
12,53
